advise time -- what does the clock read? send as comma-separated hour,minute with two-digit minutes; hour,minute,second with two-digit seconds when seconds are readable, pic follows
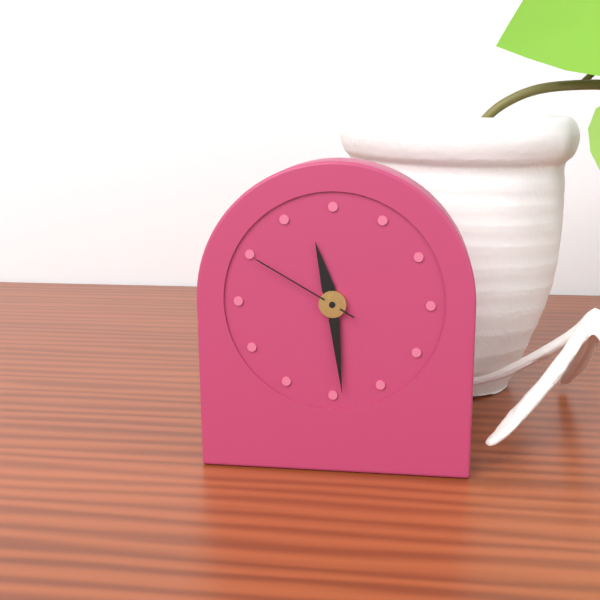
11,29,50
